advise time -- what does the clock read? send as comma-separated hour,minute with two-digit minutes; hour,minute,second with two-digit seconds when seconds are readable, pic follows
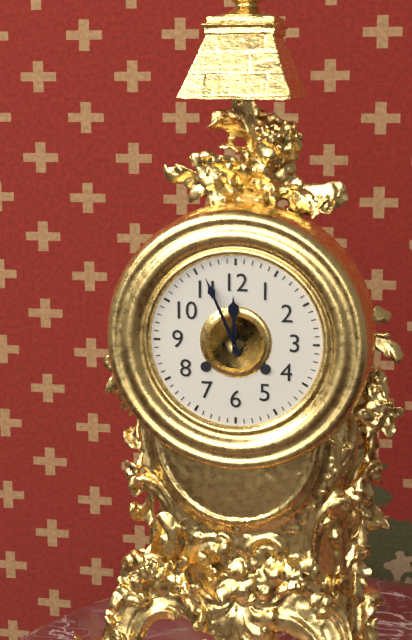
11,56
